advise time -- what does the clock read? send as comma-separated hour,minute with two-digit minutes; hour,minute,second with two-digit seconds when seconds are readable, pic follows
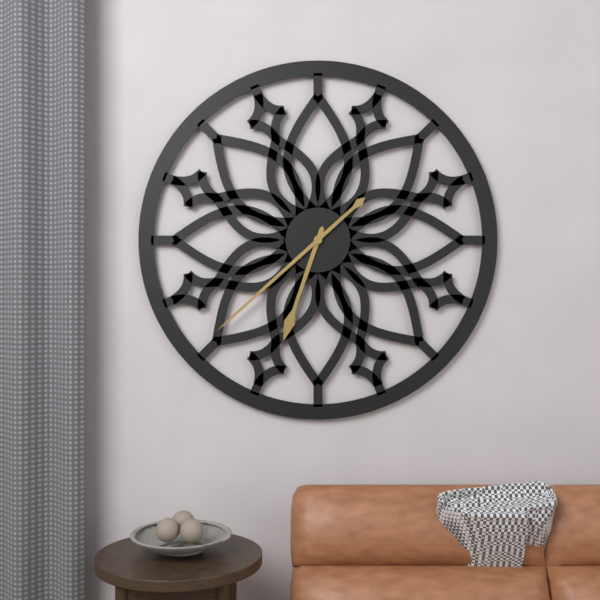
6,38
